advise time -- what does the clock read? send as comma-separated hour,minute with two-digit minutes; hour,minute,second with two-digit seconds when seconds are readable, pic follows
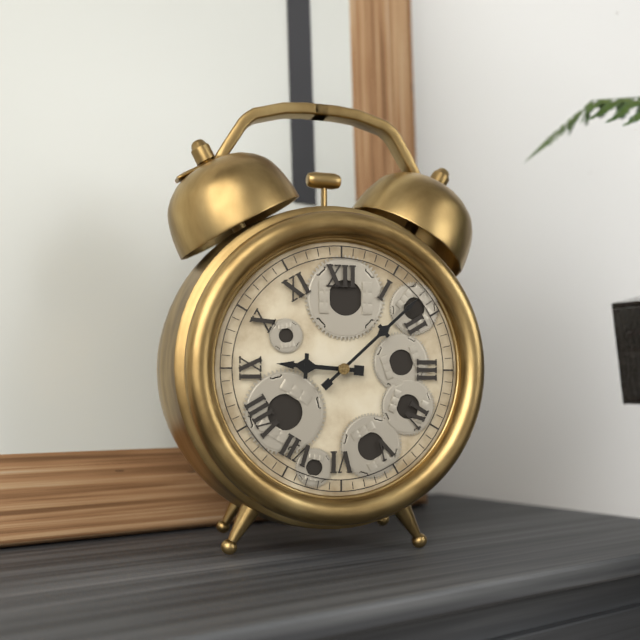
9,08
